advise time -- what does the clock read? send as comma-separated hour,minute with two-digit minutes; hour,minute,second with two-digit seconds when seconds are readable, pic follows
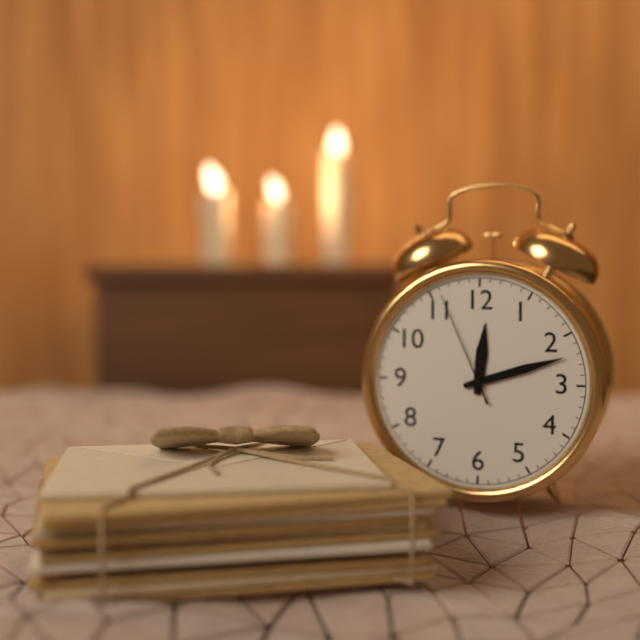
12,12,56
